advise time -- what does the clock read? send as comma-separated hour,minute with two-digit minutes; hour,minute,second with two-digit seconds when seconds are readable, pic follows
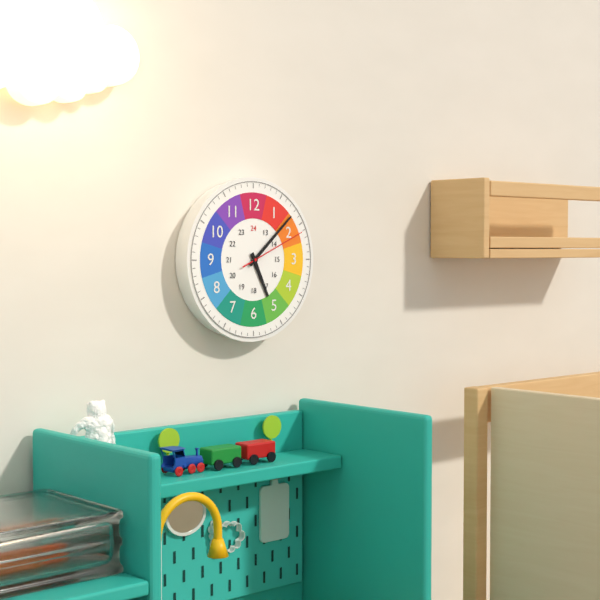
5,08,11
